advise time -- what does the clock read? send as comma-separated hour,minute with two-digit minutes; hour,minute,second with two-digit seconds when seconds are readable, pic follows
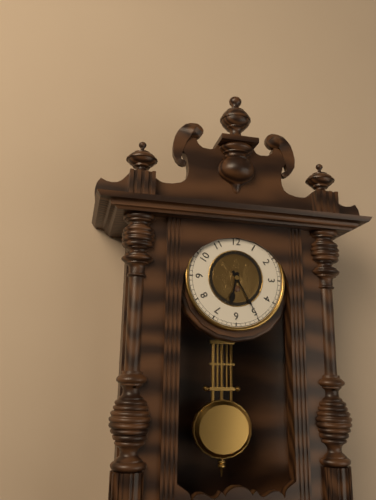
6,25
